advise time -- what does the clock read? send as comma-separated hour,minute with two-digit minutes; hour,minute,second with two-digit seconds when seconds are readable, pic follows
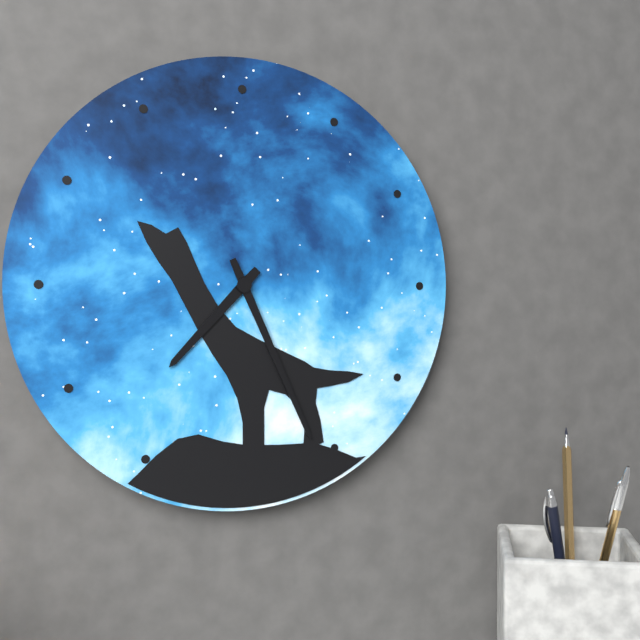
7,26
